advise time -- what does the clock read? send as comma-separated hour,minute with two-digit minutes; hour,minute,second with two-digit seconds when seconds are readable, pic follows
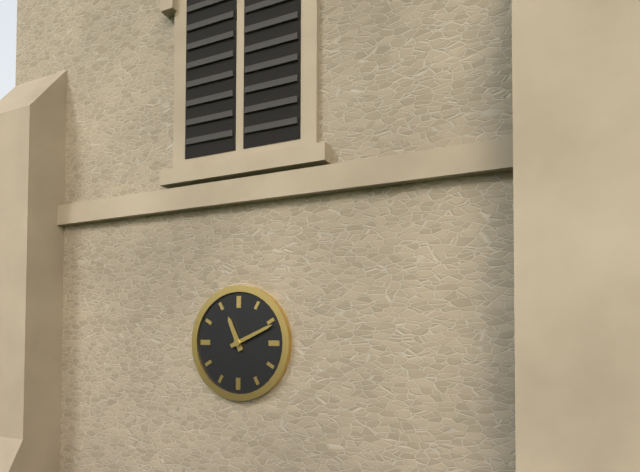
11,11
